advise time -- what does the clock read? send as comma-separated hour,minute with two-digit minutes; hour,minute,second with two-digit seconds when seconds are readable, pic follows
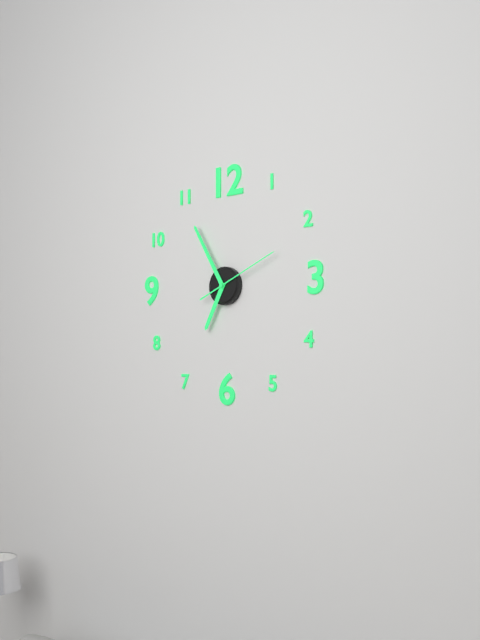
6,55,11
